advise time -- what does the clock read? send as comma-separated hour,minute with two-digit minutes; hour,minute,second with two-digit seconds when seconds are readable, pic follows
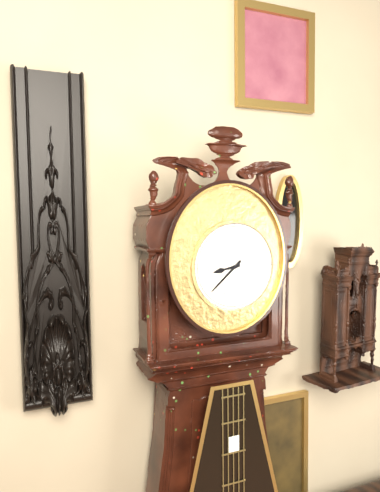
8,38
